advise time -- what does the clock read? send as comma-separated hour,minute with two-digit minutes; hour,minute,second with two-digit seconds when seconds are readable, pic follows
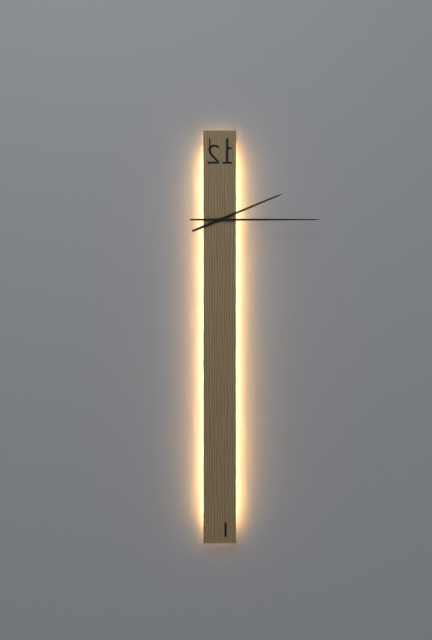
2,15
